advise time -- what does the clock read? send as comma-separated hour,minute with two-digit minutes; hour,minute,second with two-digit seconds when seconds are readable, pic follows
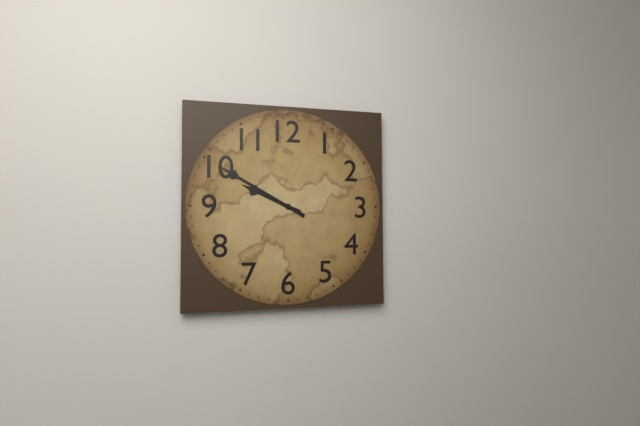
9,50
